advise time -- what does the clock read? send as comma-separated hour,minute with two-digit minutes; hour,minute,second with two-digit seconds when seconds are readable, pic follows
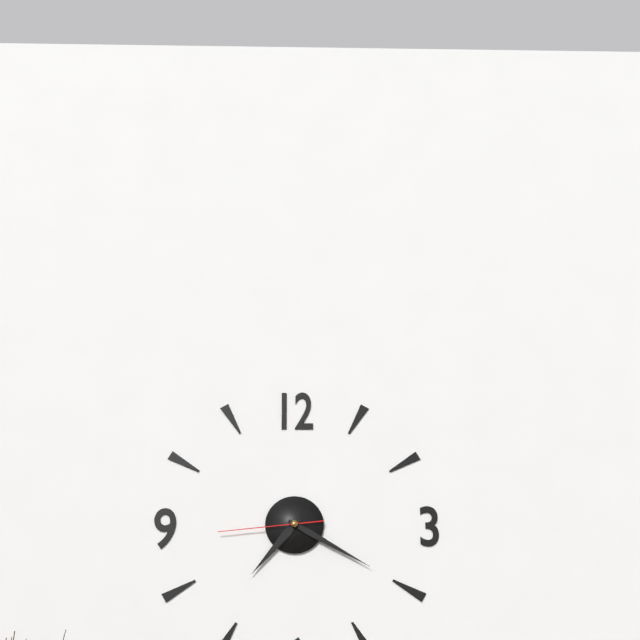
7,20,44
